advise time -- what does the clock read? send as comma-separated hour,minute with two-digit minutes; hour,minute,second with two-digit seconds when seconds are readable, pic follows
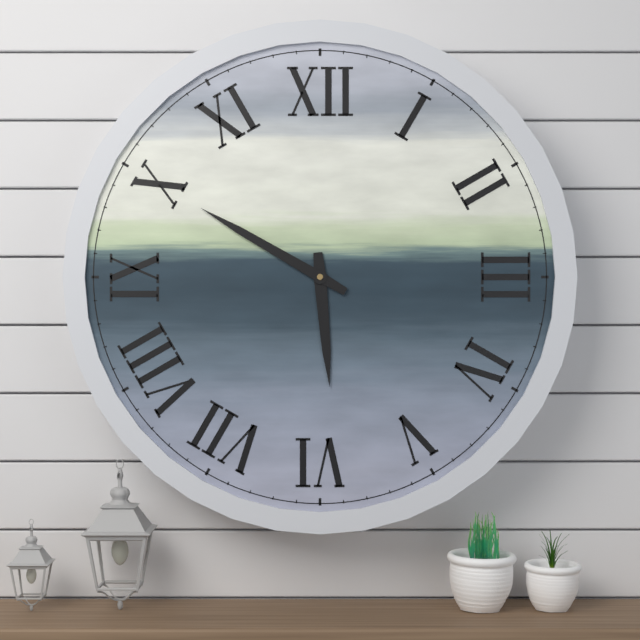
5,50
